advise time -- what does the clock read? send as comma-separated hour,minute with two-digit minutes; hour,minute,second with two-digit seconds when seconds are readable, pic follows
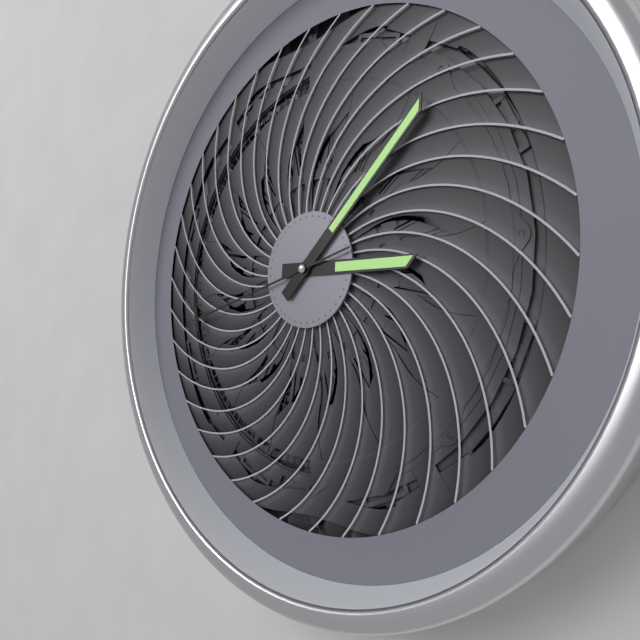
3,08,43
